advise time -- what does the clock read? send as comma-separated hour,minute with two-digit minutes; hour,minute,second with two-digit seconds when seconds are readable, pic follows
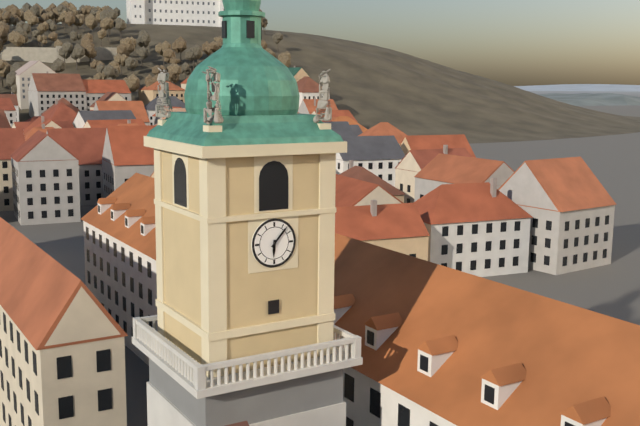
6,07
